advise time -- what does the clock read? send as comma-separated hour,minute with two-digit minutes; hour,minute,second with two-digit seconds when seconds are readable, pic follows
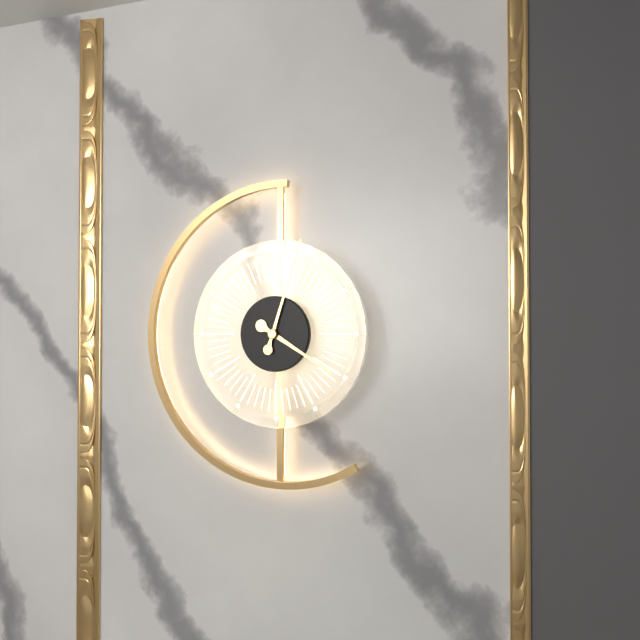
4,03
